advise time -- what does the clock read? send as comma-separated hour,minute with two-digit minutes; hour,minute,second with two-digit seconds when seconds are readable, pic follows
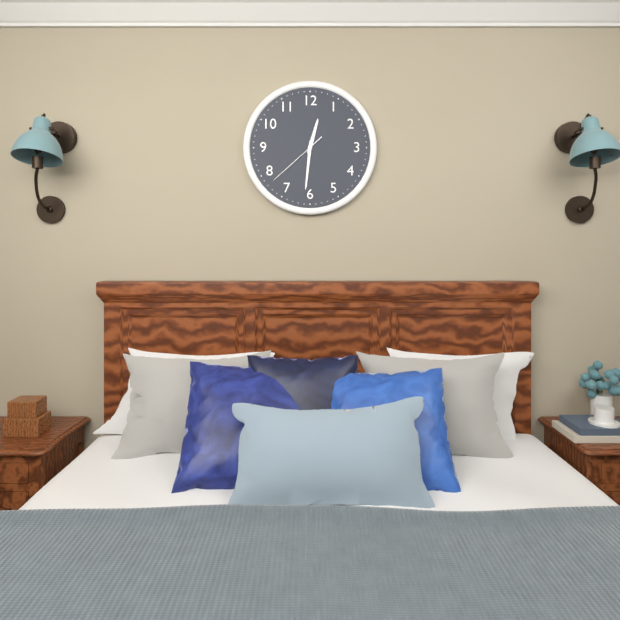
12,31,38
